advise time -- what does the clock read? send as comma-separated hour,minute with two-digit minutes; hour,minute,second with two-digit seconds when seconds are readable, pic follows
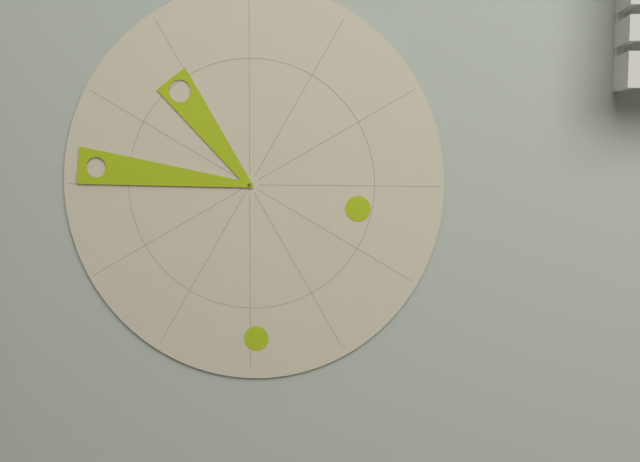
10,46
